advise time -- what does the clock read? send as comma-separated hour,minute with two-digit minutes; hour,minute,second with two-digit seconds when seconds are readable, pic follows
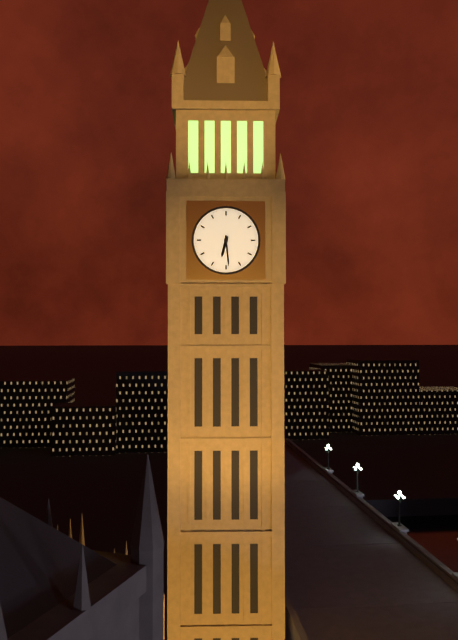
6,29
